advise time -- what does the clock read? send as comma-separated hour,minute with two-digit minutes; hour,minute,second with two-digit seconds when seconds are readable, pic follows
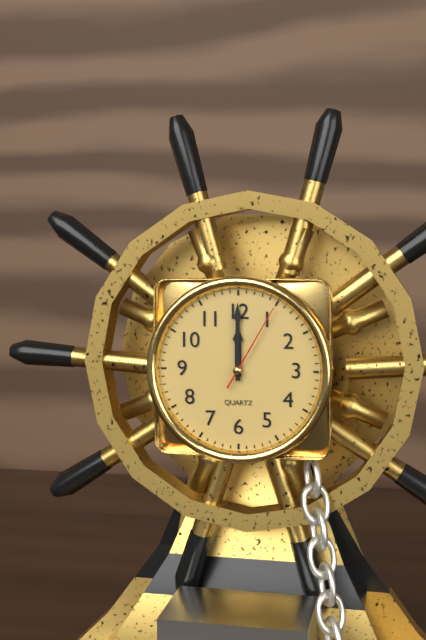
12,00,05
